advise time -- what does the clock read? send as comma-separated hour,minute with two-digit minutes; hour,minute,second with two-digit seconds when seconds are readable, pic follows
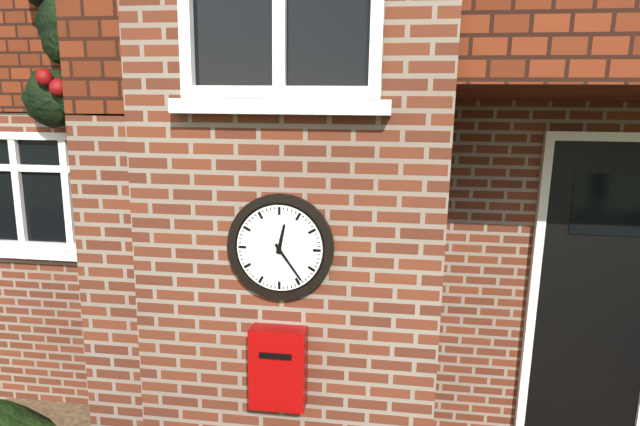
12,24
